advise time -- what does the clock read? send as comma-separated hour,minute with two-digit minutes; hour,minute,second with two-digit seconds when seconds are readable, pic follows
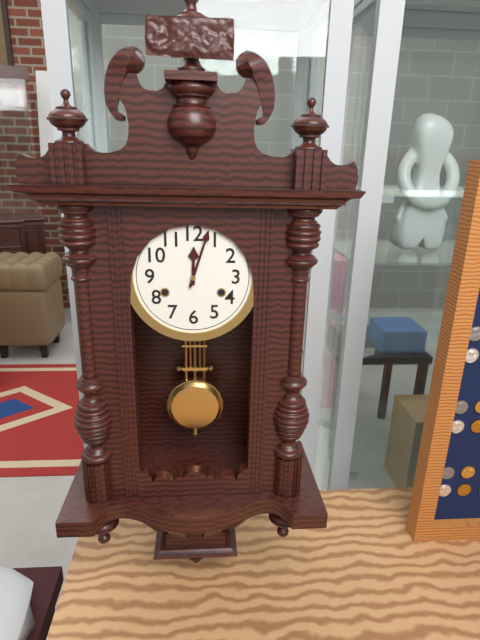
12,03
